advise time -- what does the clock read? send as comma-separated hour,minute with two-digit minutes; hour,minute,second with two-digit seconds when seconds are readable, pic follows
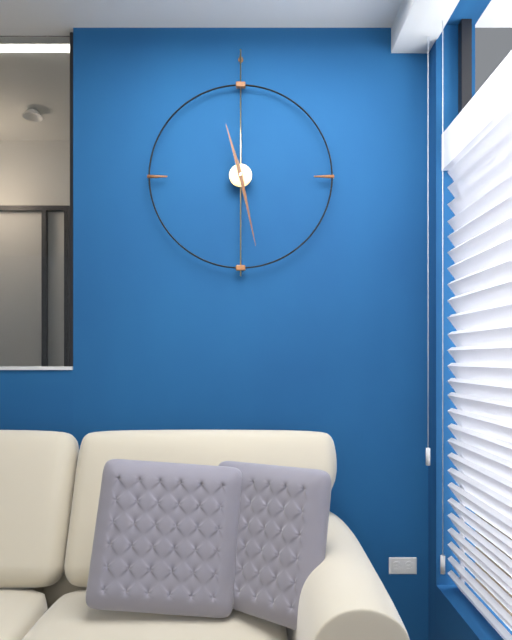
11,28
